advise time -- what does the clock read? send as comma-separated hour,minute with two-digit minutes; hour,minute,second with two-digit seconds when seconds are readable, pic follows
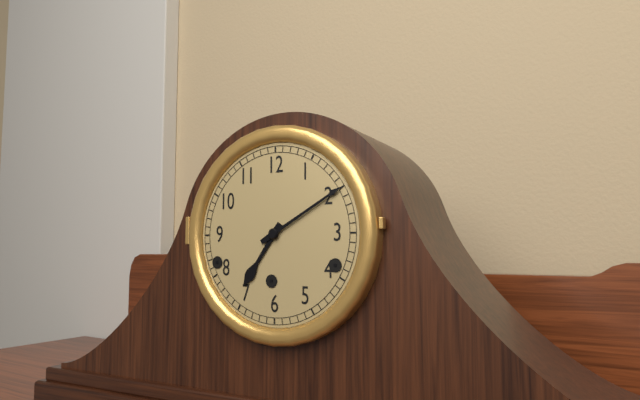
7,10
